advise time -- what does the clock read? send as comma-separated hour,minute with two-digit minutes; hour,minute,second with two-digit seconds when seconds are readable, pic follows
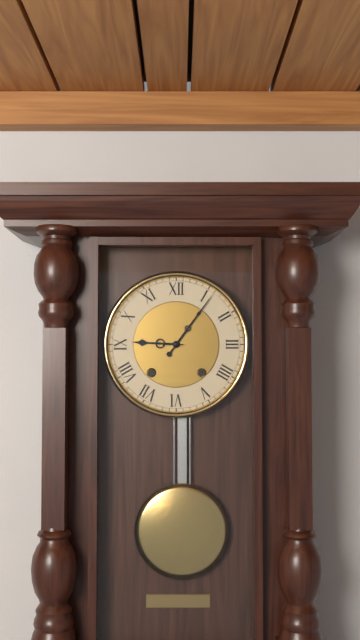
9,06
